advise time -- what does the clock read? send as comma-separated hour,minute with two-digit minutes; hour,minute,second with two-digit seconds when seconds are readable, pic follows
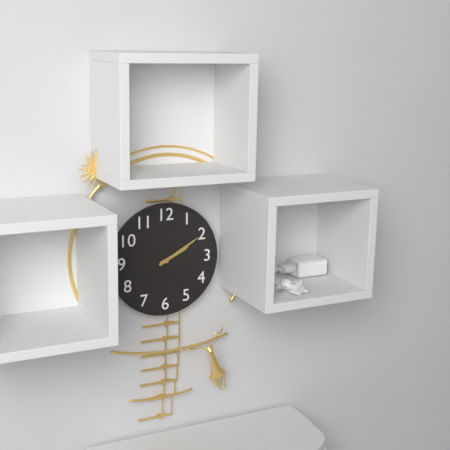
2,10
